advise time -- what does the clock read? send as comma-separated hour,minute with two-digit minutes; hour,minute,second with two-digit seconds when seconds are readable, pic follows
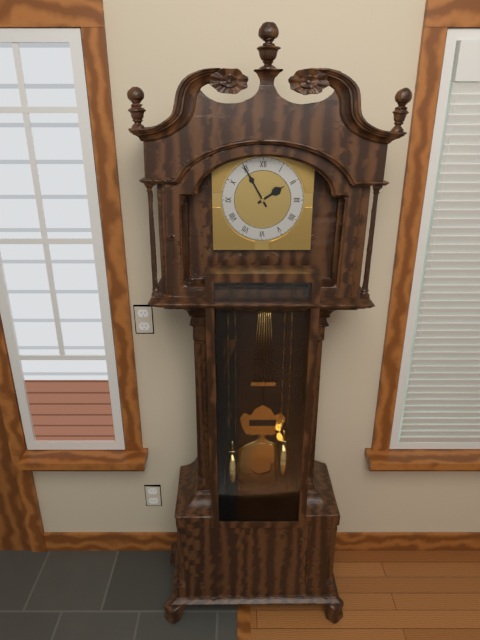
1,55
